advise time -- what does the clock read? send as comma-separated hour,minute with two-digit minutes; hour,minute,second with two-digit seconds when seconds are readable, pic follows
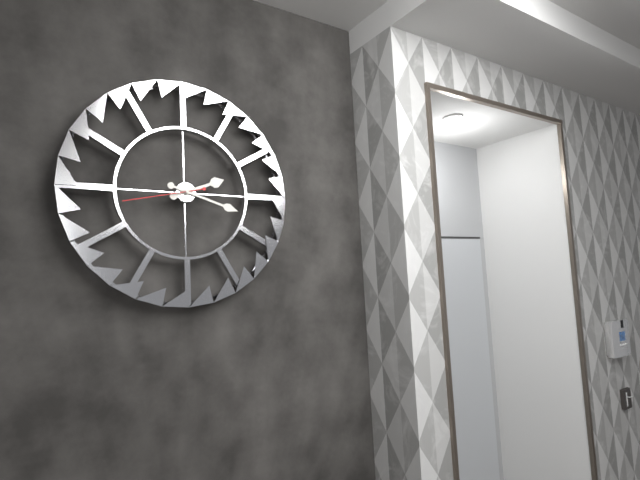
2,18,43
